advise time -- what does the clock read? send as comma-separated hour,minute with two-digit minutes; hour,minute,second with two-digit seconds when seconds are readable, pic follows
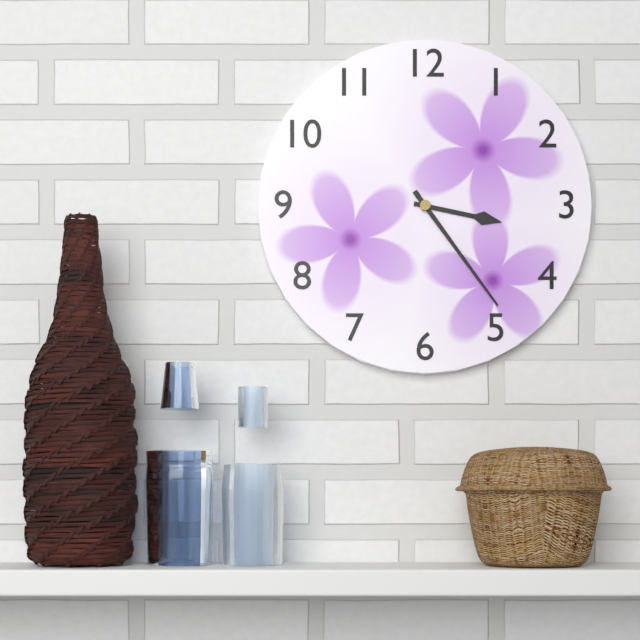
3,24
